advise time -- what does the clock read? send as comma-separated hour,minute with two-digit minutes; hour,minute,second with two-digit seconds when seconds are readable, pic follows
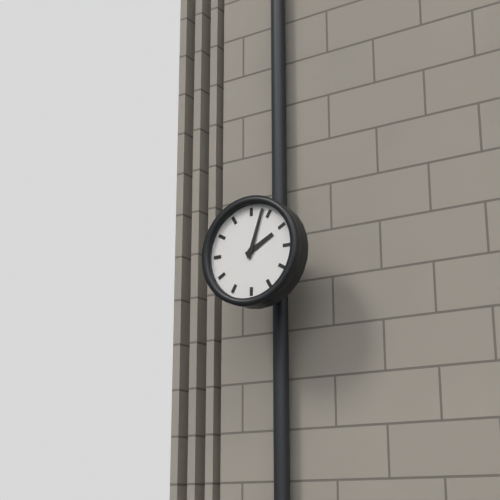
2,03
